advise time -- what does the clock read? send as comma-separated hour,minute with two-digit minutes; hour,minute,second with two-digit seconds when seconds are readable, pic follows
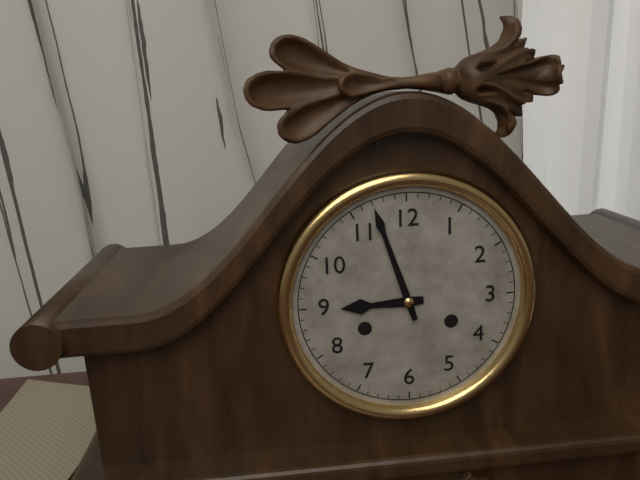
8,57
